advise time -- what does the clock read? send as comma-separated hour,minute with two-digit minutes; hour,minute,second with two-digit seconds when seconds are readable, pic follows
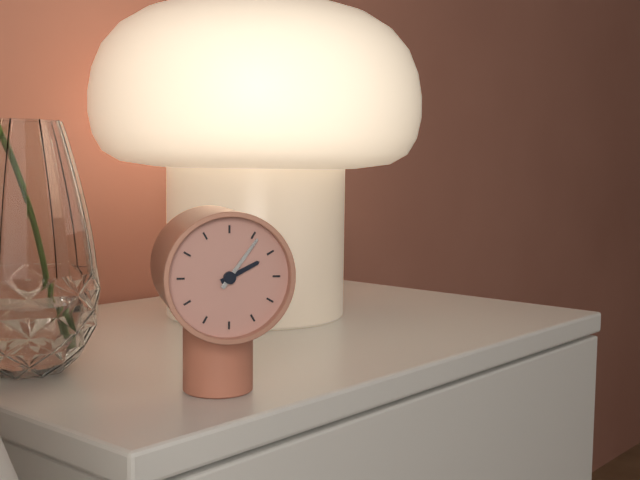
2,06
